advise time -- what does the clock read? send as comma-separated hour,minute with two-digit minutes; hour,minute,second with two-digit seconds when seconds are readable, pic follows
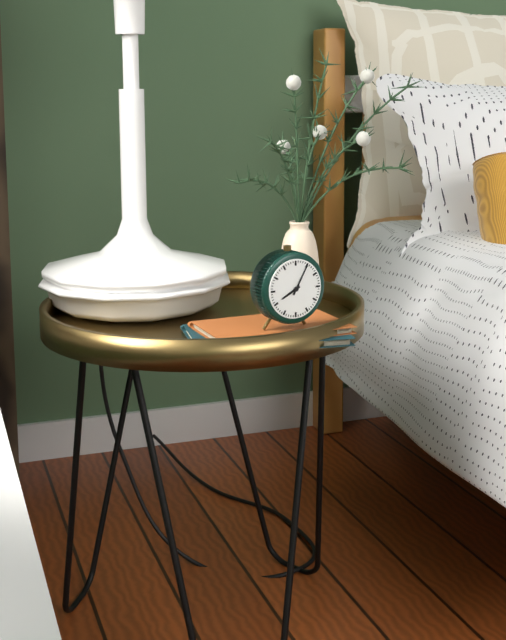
8,05
